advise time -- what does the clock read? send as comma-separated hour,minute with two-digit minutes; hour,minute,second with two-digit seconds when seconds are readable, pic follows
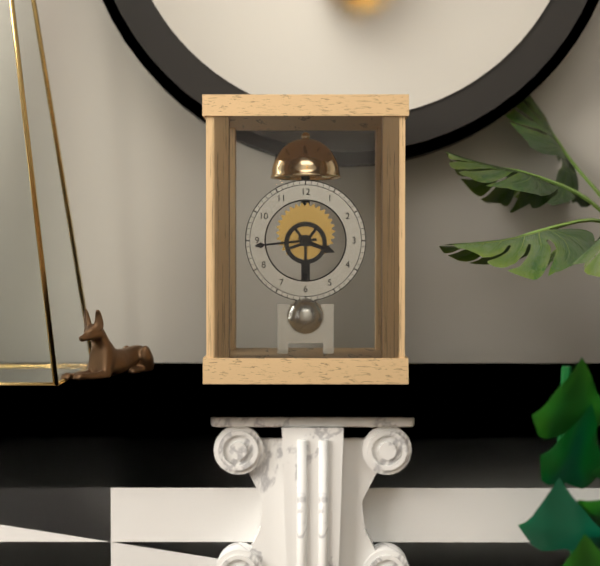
3,44
